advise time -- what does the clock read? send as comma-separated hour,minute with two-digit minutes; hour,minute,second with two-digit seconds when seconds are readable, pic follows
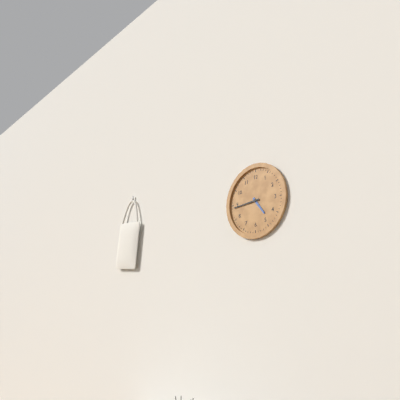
4,44
